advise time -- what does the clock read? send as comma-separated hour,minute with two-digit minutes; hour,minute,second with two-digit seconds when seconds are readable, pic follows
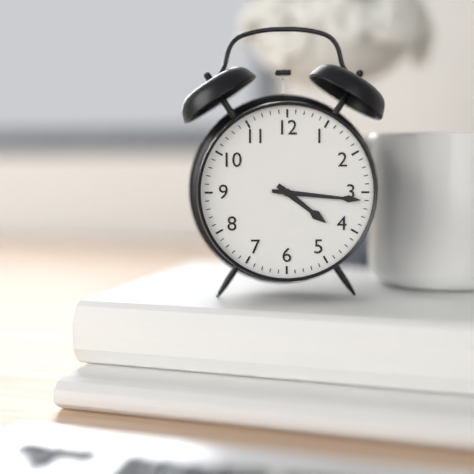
4,16
